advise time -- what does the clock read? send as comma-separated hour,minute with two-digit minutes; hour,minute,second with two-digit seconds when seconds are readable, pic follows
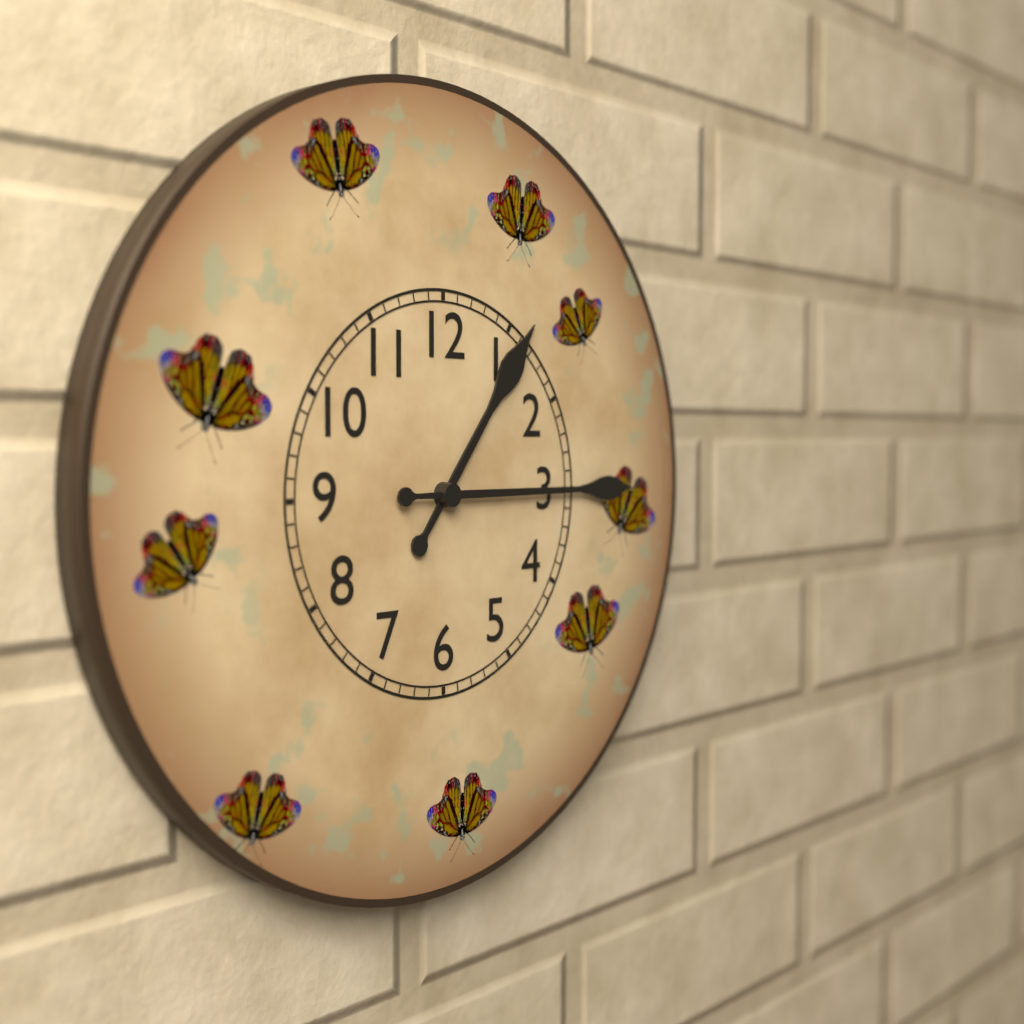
1,15
